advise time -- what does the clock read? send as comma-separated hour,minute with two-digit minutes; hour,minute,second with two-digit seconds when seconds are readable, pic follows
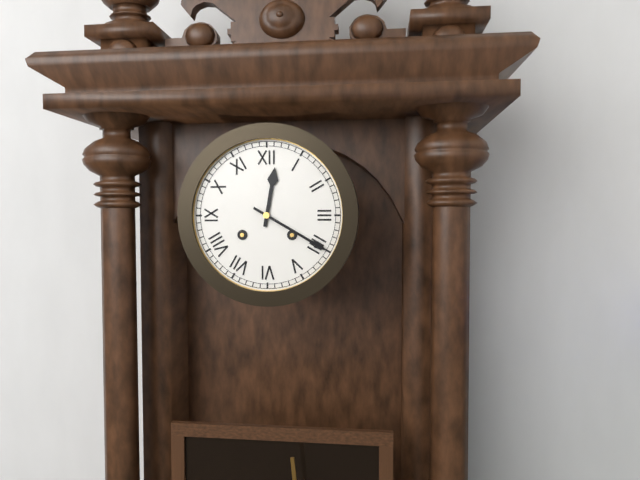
12,20
